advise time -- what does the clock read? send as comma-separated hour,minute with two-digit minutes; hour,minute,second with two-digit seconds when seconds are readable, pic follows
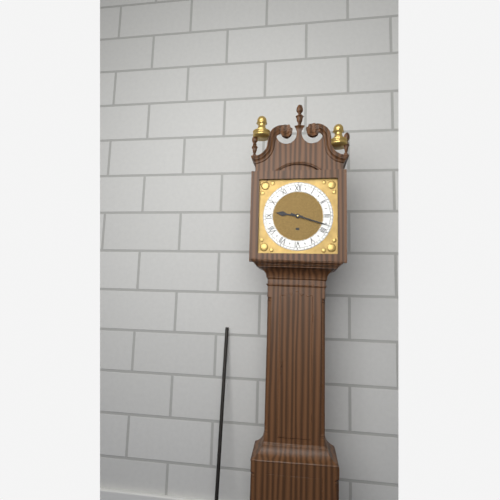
9,18
